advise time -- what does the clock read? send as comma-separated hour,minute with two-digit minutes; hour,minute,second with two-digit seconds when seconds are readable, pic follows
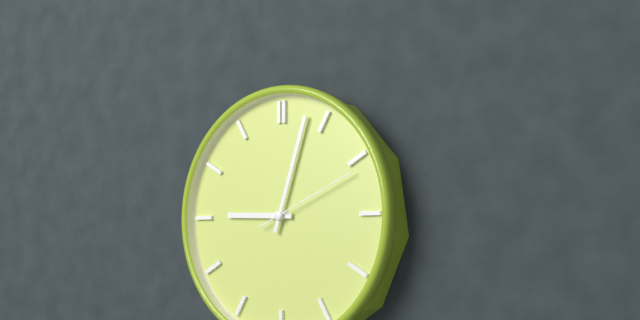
9,03,11
